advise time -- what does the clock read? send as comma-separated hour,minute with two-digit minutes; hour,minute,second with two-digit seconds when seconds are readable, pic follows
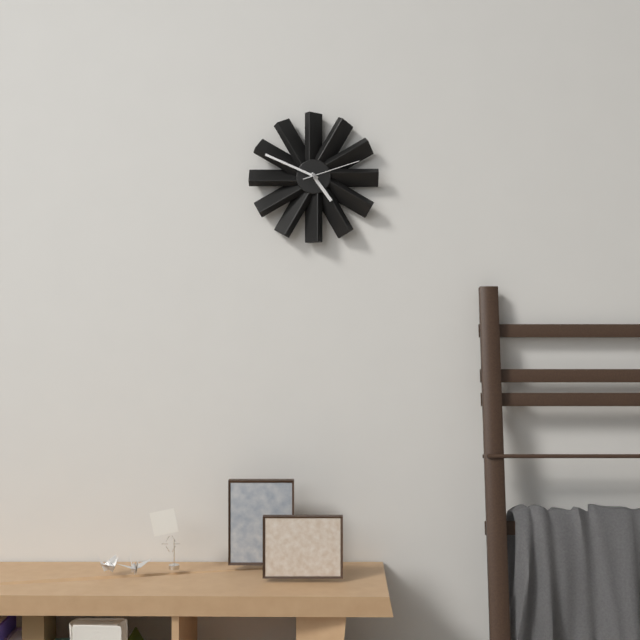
4,49,12
